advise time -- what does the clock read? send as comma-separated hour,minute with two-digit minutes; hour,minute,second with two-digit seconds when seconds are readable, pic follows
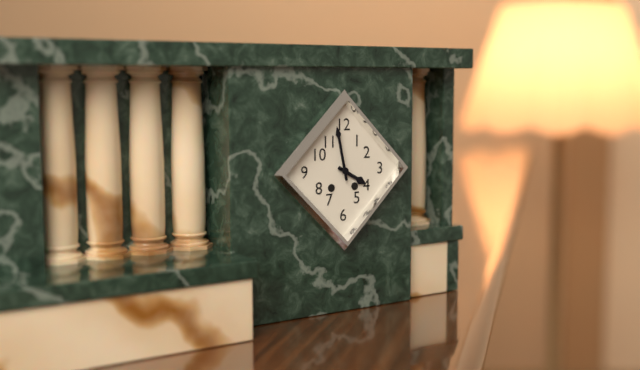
3,58
